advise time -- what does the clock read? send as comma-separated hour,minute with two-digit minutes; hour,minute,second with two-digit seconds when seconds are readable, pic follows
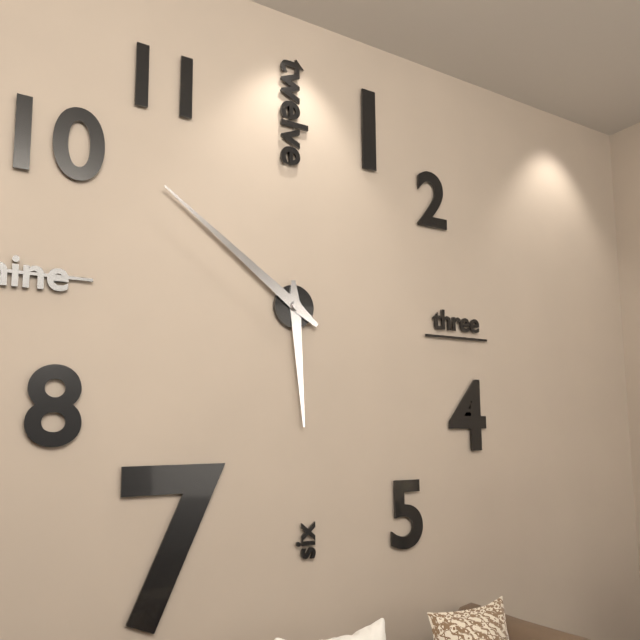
5,51
